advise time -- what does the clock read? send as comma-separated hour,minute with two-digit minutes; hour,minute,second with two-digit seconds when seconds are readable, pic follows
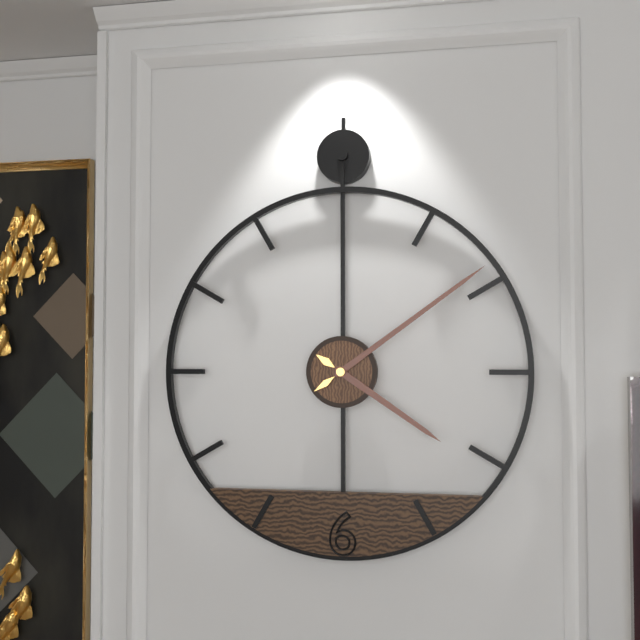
4,09
